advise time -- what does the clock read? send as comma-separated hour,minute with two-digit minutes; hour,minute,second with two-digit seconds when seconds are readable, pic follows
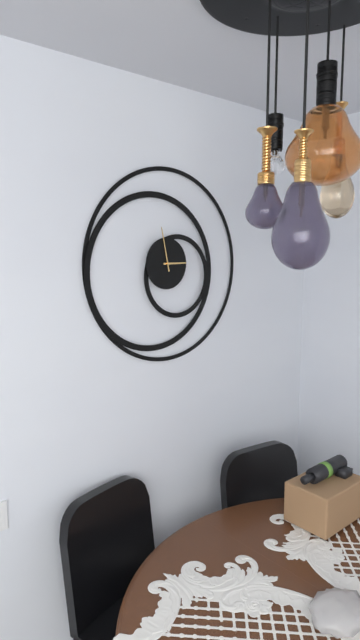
2,58
